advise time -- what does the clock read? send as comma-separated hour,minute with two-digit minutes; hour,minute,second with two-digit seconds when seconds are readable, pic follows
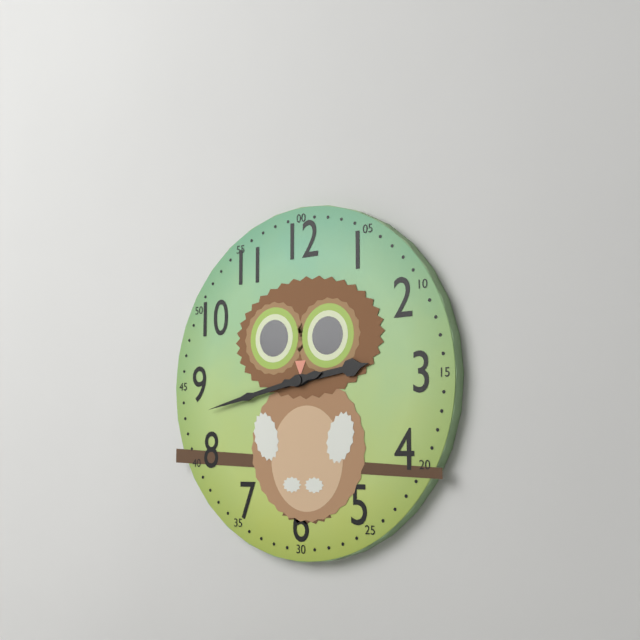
2,43
